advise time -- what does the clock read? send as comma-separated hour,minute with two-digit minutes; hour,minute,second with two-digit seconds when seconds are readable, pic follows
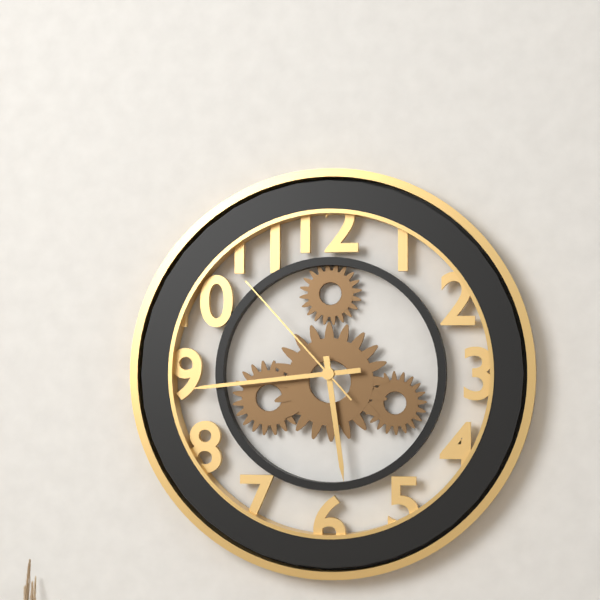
5,44,53
